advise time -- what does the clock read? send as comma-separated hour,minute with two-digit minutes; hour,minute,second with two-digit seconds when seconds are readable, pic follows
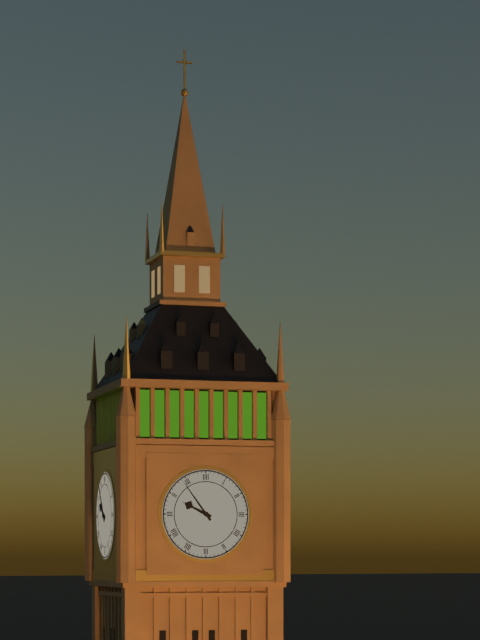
9,54
